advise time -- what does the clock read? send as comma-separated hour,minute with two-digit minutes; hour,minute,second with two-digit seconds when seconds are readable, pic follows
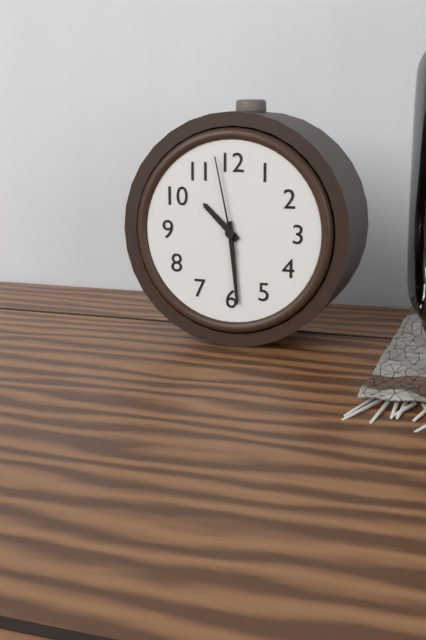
10,29,58
